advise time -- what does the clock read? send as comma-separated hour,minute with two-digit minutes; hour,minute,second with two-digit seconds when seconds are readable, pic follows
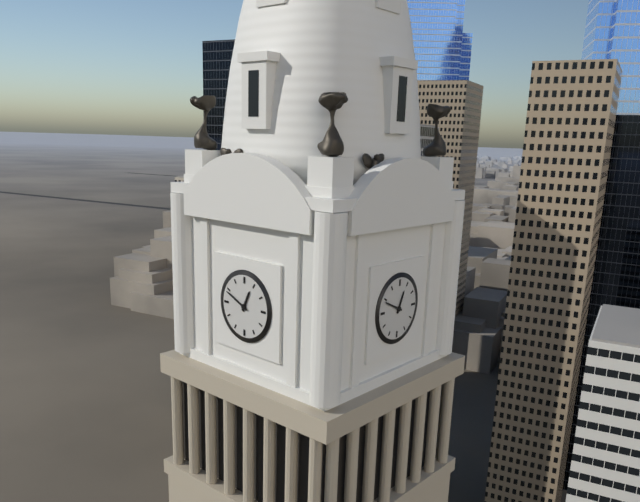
12,49
